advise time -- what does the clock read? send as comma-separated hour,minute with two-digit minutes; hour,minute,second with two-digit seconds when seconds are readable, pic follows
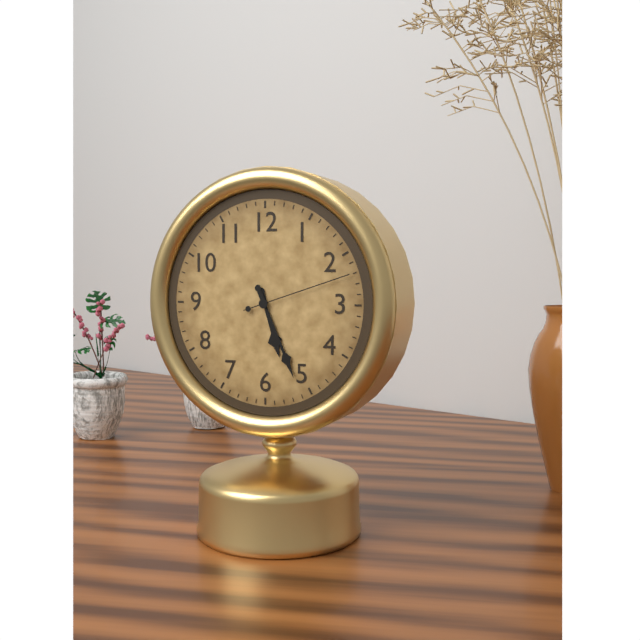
5,26,12
